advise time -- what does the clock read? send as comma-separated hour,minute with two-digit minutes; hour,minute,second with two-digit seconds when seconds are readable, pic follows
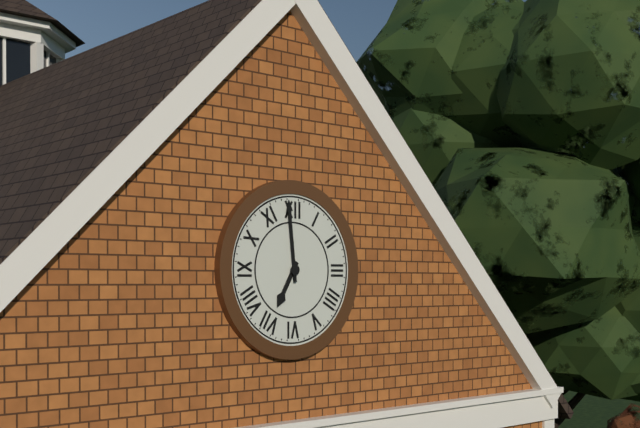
6,59
